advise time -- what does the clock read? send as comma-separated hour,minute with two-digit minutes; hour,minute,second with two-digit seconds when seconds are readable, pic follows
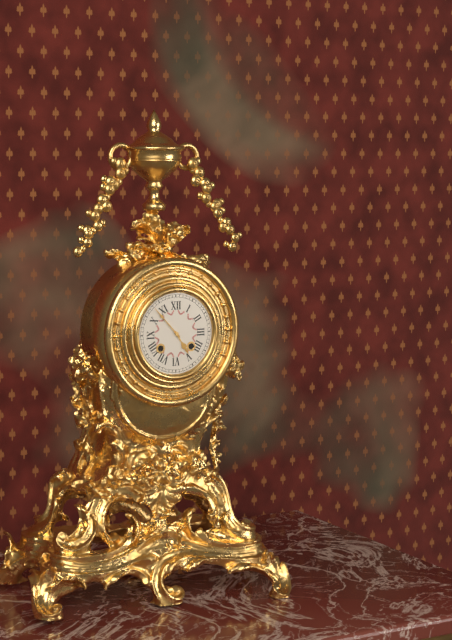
4,53
